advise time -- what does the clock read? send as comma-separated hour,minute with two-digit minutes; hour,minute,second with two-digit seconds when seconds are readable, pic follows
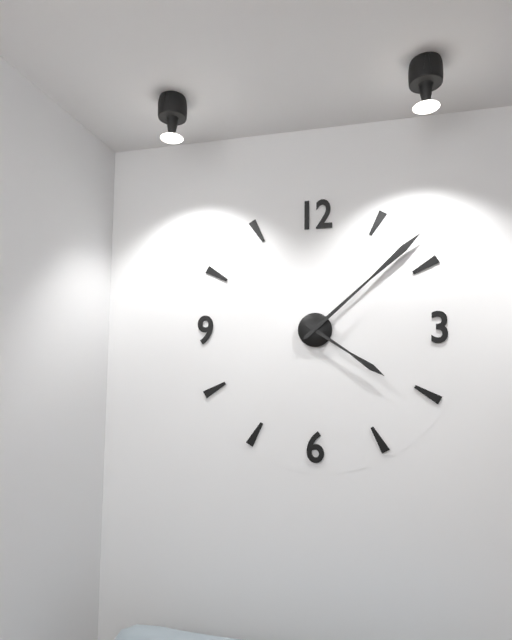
4,08
